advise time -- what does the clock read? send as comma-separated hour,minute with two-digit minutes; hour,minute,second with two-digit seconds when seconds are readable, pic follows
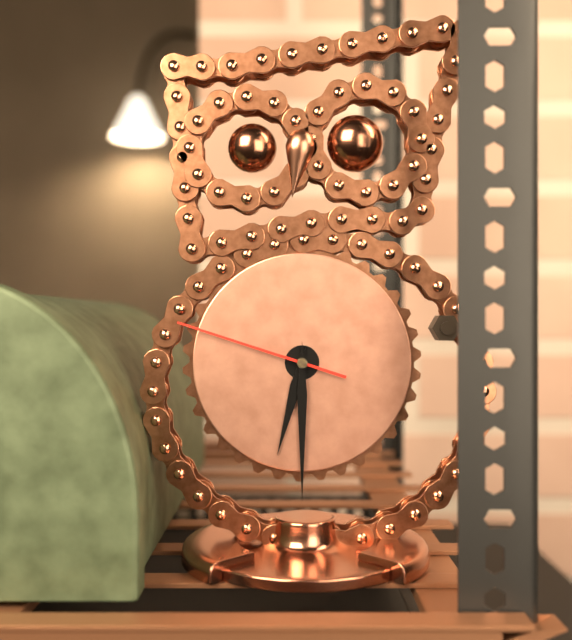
6,30,48
